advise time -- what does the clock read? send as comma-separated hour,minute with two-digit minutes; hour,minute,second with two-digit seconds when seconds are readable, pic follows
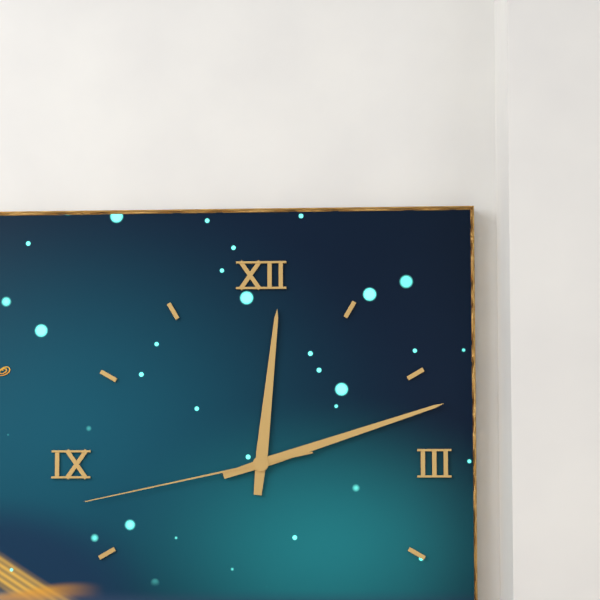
12,12,43
